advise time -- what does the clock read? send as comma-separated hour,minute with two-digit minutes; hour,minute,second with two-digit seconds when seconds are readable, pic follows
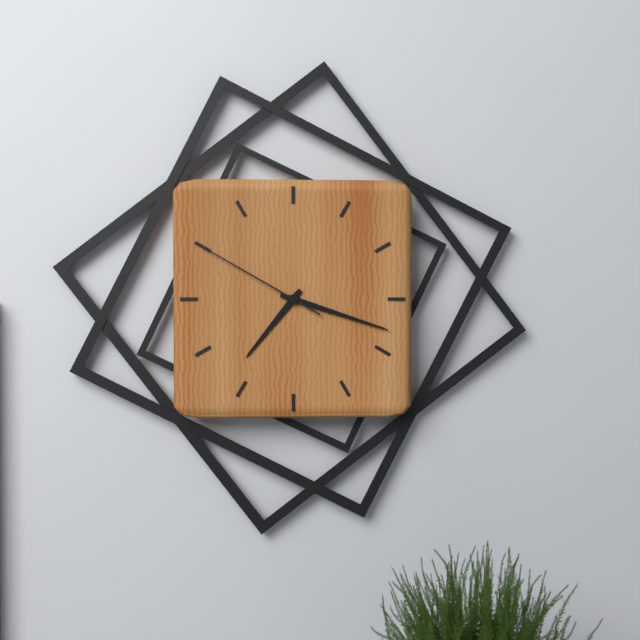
7,18,50
